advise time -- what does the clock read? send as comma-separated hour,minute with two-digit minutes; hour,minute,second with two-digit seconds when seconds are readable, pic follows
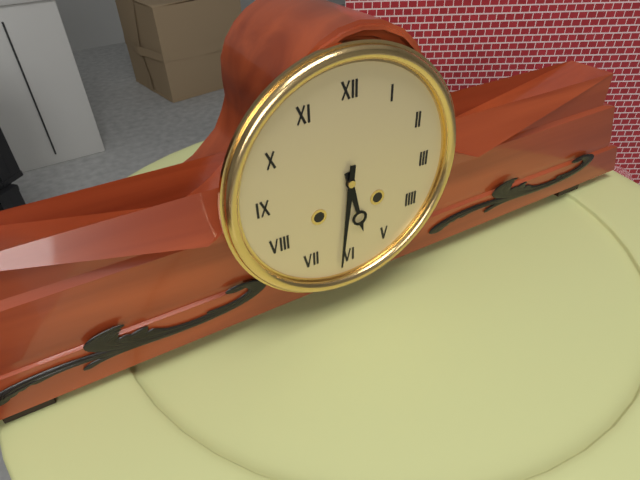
5,31
